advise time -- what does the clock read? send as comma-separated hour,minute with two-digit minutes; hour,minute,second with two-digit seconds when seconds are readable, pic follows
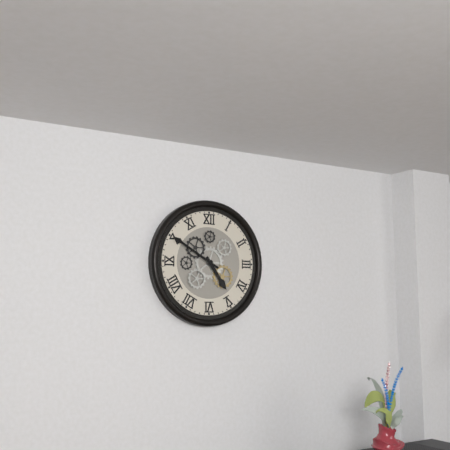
4,50
